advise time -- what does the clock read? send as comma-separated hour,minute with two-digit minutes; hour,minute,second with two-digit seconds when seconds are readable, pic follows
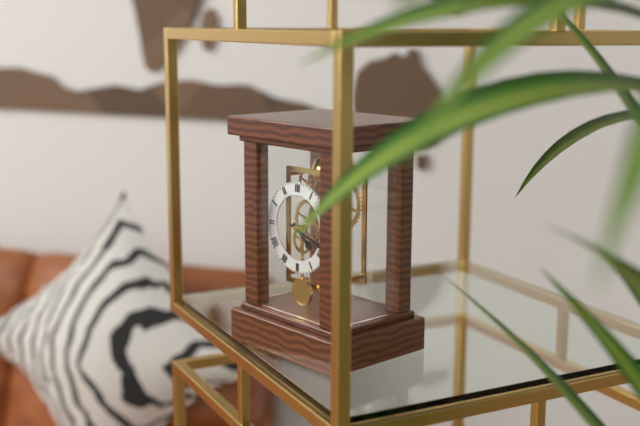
4,18
